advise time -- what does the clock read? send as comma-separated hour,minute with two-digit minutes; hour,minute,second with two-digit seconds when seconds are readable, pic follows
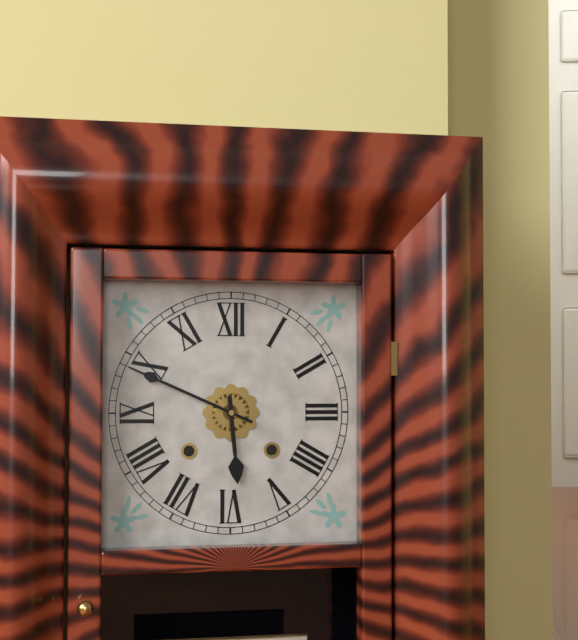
5,49
